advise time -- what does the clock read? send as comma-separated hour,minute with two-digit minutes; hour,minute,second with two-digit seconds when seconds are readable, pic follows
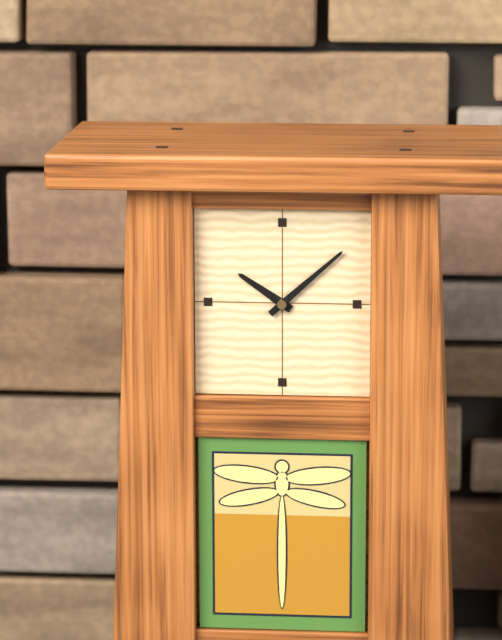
10,08
